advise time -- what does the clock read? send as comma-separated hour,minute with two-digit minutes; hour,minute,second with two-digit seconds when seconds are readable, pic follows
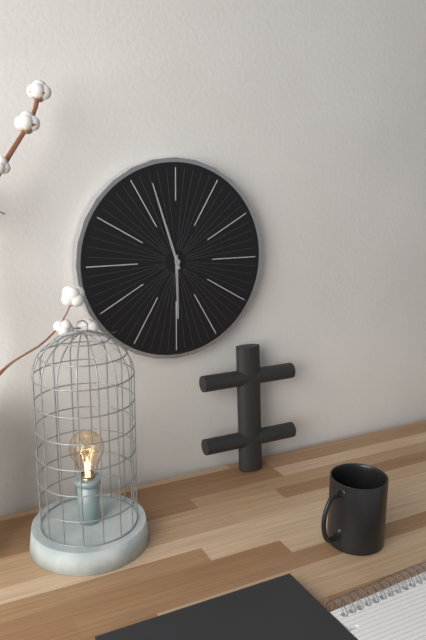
5,57
